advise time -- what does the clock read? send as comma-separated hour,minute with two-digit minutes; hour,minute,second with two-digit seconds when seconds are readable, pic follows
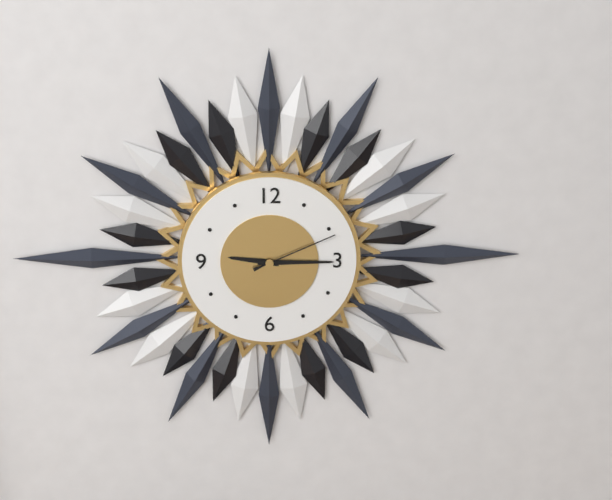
9,15,11
